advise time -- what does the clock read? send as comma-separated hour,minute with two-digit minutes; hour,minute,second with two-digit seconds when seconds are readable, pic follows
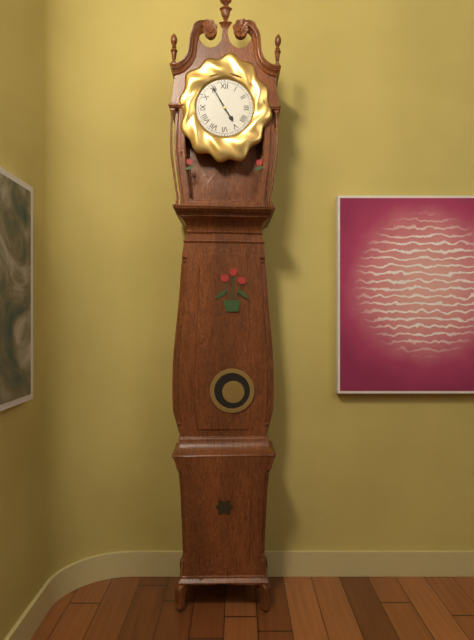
4,55
